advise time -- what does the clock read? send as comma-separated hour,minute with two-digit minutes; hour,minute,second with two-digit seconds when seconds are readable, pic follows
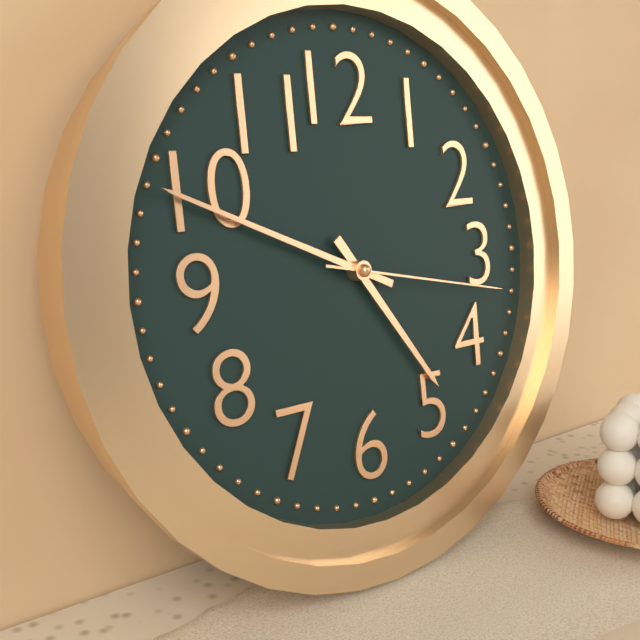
4,49,17
